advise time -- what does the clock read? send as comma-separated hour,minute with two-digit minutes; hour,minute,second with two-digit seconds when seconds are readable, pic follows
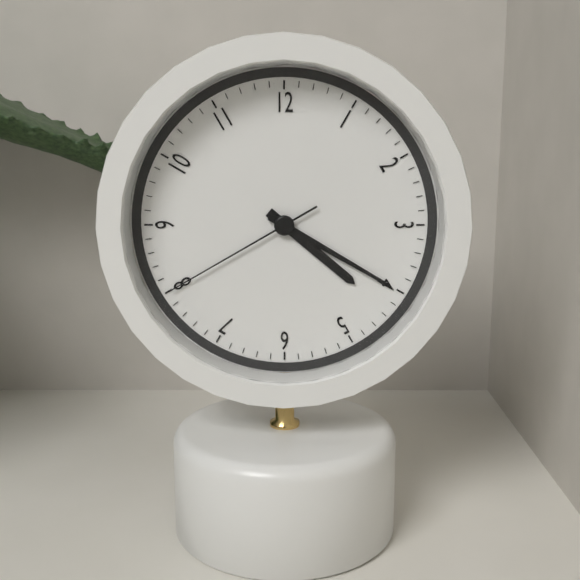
4,20,40
